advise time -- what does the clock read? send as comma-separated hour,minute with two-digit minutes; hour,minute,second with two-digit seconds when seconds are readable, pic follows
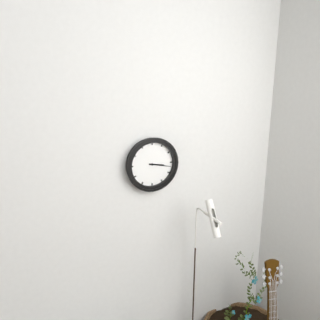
3,17
